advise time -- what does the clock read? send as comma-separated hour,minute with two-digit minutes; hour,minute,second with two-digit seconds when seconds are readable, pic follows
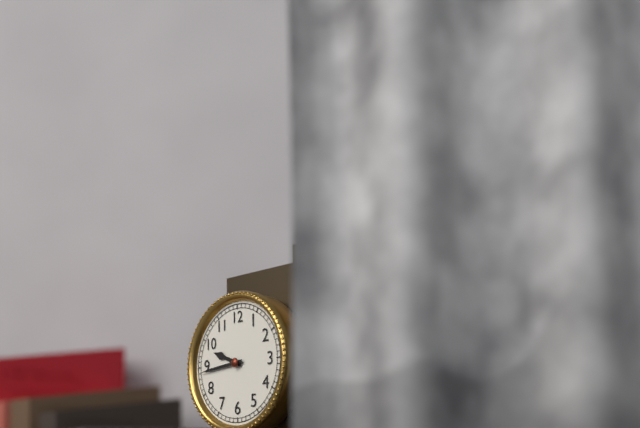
9,44
